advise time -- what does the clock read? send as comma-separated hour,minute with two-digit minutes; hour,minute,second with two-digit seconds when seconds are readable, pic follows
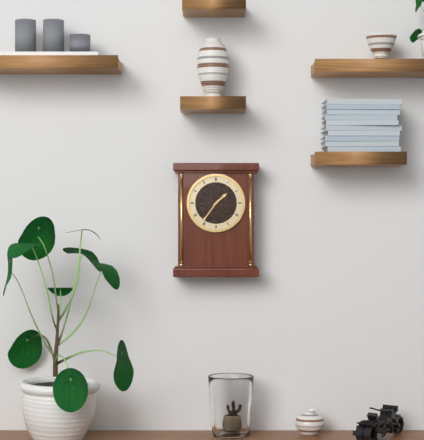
1,36
